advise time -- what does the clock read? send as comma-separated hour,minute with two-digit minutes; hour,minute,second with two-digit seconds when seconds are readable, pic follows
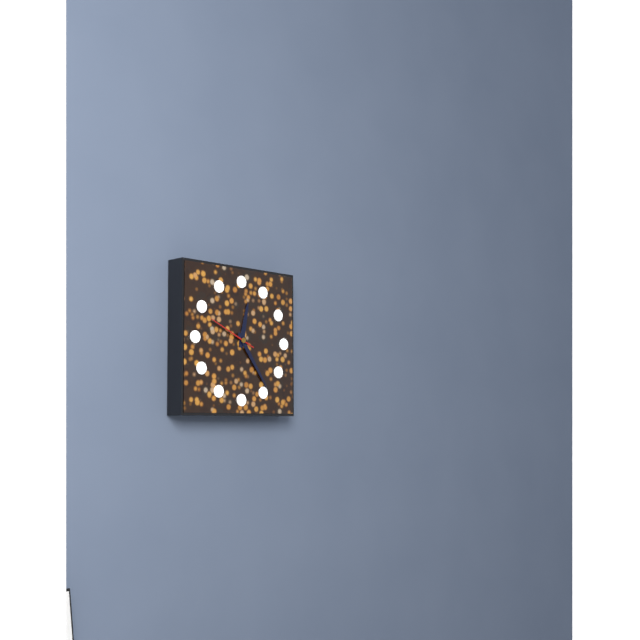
12,24,49
